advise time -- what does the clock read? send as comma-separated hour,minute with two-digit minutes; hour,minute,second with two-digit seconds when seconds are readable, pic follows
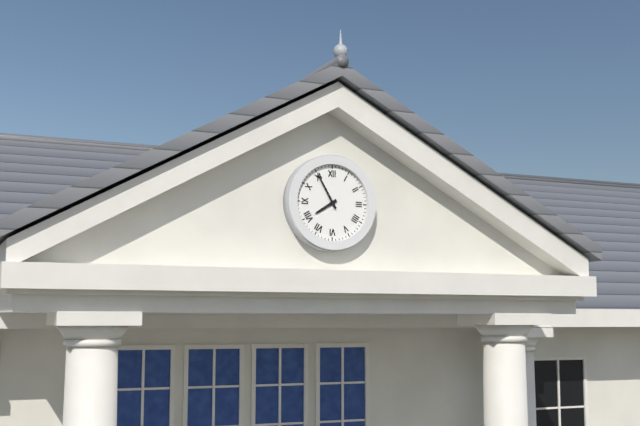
7,55
